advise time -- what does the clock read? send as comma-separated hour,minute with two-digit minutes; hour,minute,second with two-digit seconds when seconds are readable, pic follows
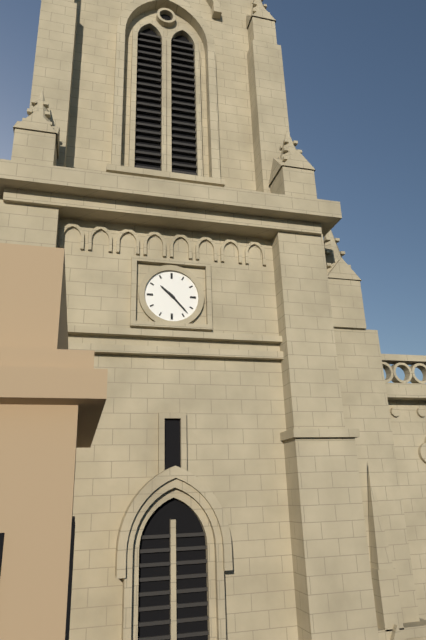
10,23
